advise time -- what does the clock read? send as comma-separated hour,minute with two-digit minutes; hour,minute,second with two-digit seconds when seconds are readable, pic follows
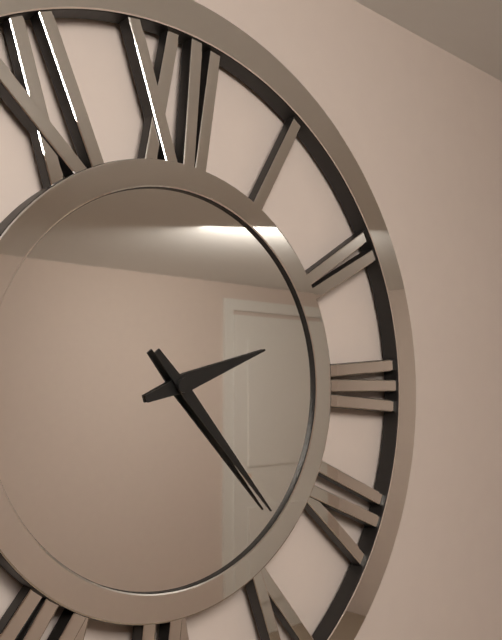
2,23
